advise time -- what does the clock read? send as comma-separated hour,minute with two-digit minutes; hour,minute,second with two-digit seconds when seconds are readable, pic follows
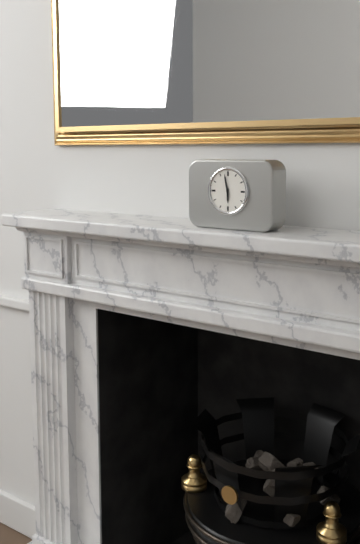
5,58
